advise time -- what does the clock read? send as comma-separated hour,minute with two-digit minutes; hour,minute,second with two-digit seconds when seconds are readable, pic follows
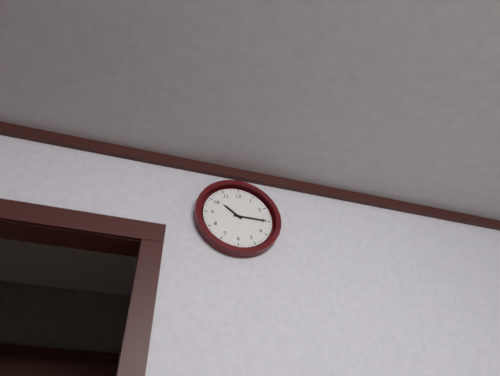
10,15
